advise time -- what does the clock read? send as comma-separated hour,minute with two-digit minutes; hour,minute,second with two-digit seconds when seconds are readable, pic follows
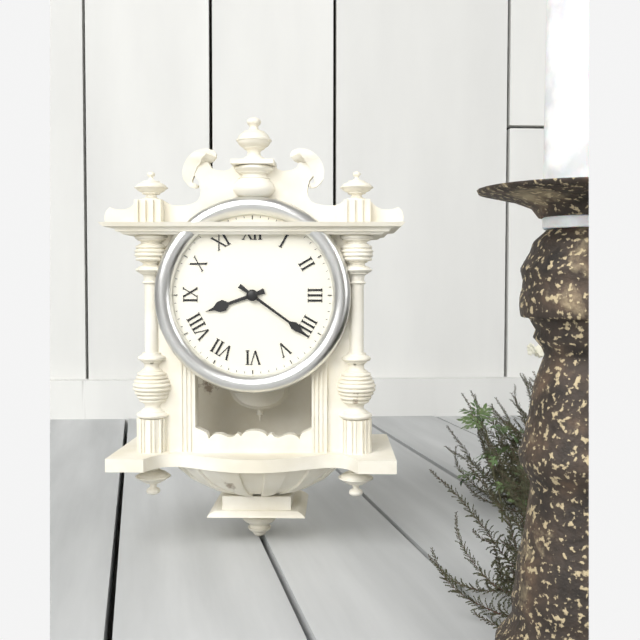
8,21
